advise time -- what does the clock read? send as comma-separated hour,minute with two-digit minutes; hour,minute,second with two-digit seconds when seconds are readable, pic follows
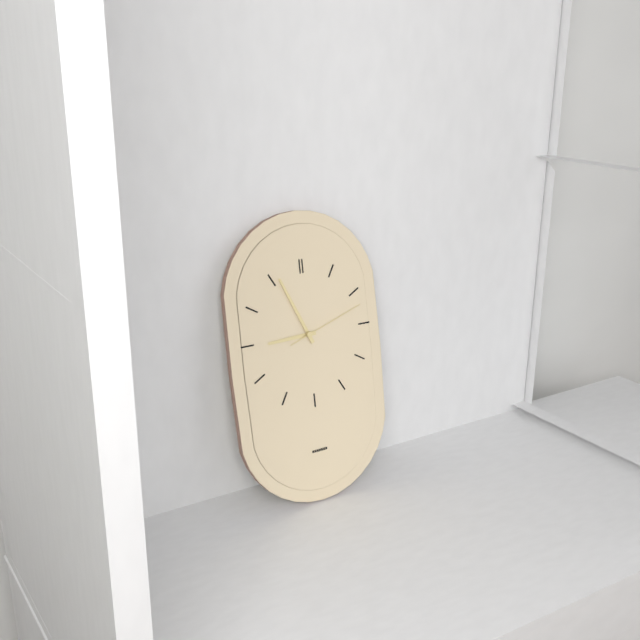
8,56,12
